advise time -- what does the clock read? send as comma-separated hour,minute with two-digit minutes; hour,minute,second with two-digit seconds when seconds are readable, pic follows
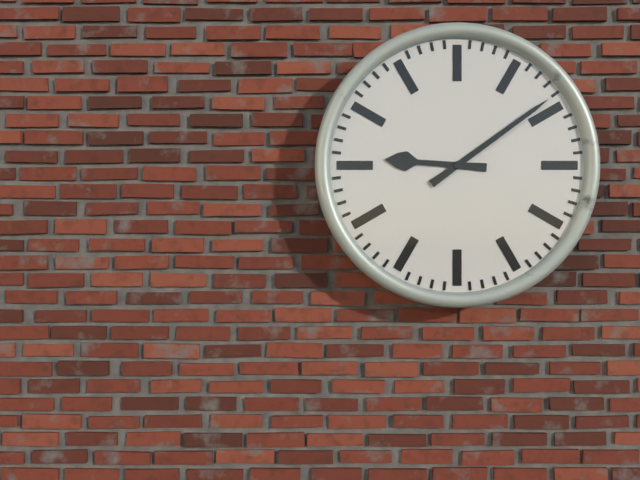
9,09
